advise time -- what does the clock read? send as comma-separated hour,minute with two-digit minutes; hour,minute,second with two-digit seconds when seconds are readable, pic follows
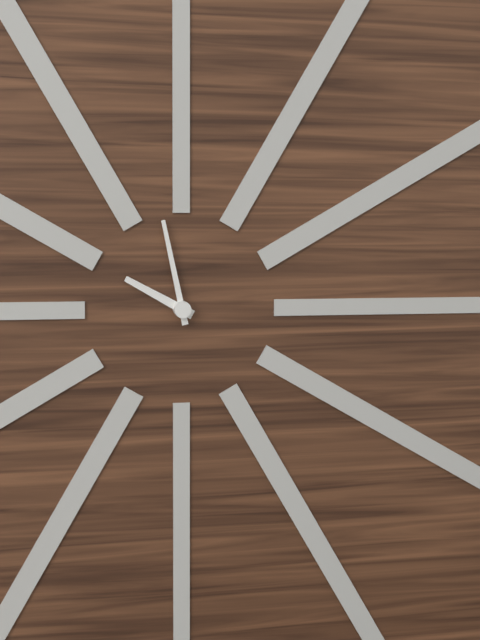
9,58
